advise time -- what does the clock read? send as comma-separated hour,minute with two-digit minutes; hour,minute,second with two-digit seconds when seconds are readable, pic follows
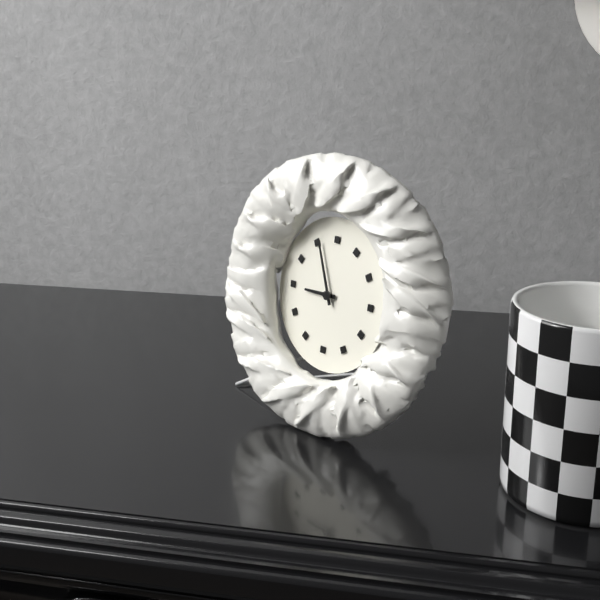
8,56
